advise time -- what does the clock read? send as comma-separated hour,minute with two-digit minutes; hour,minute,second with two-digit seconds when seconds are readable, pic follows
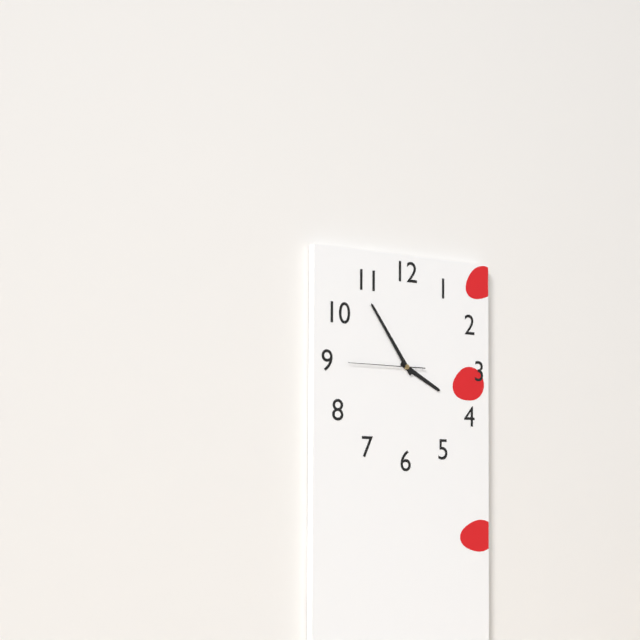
3,54,45
